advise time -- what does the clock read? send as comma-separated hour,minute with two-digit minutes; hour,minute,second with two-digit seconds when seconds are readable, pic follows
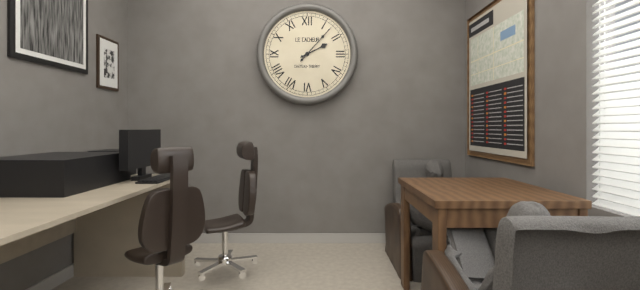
2,07
